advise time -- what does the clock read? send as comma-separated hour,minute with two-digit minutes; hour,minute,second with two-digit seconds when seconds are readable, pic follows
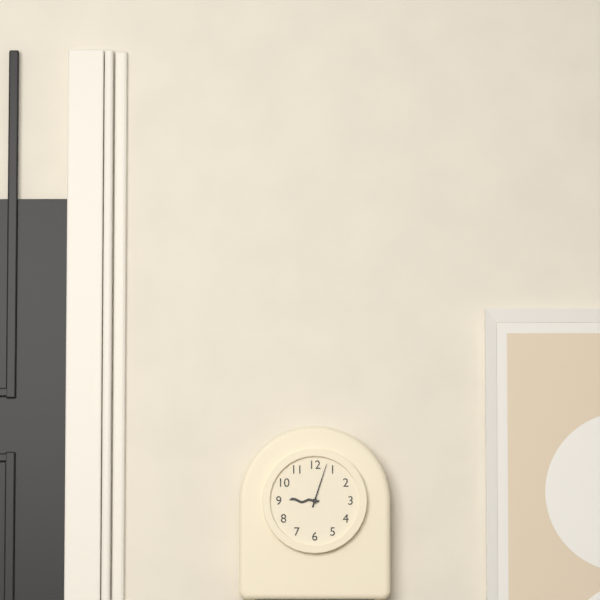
9,03
